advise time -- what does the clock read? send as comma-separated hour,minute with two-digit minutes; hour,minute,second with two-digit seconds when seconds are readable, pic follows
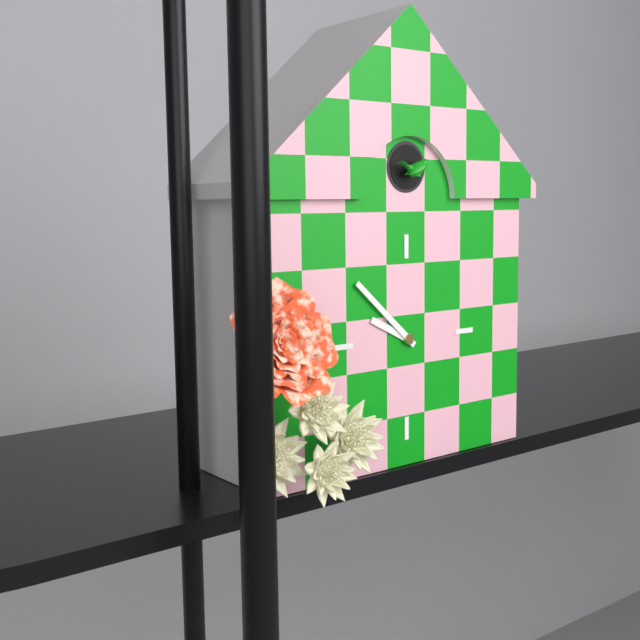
9,52
